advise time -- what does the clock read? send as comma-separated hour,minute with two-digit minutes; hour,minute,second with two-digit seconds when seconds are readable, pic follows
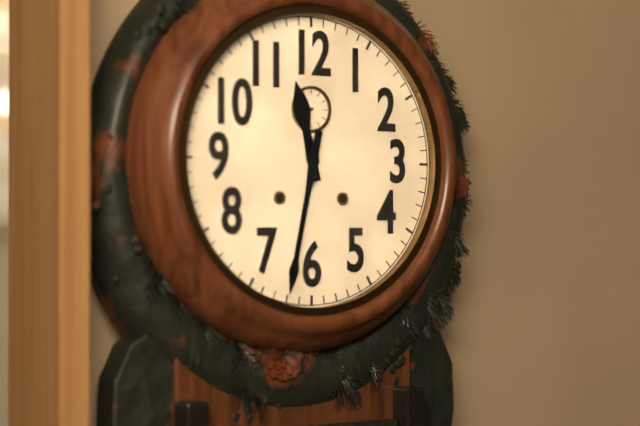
11,32
